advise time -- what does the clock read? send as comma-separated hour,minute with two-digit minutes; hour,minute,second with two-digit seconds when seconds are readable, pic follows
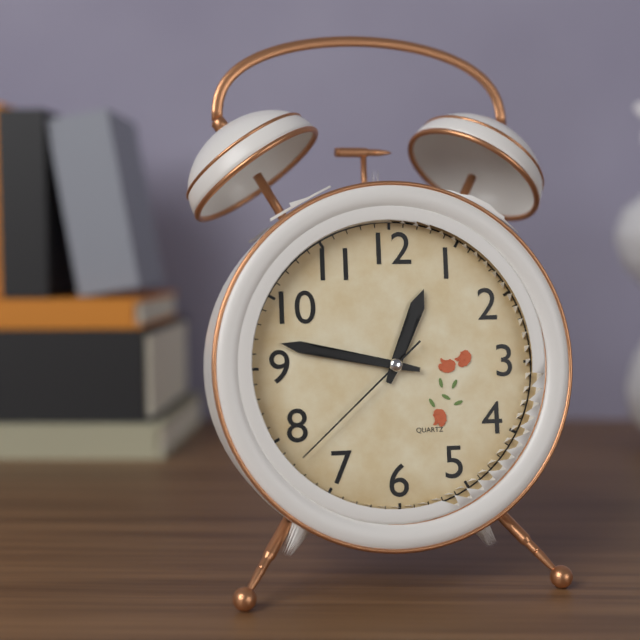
12,47,38
